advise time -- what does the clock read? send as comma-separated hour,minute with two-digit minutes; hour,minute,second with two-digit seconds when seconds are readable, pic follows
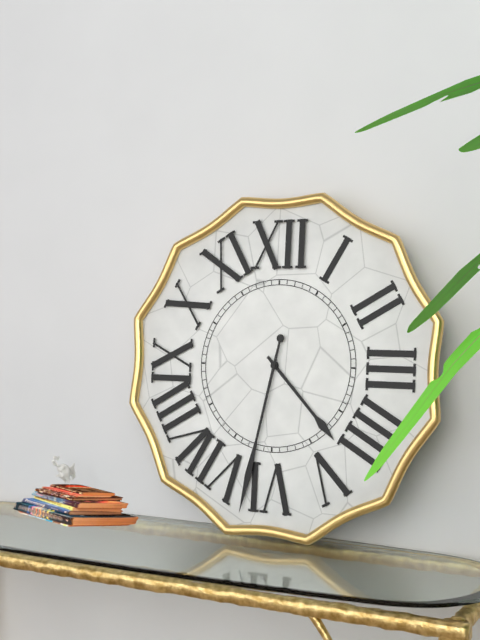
4,32
